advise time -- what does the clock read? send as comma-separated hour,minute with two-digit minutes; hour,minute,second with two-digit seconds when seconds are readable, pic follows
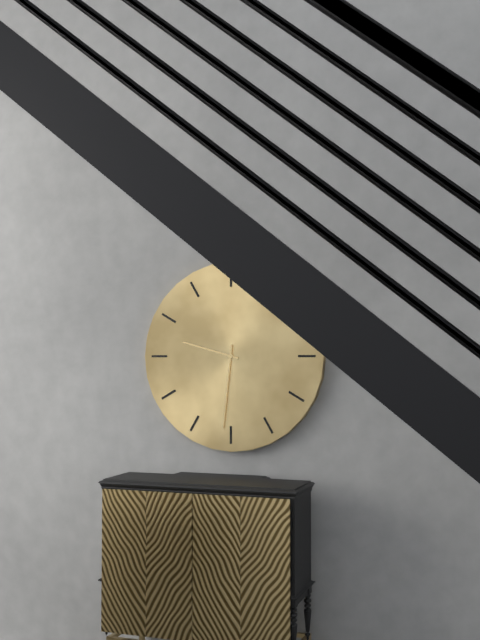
9,31
